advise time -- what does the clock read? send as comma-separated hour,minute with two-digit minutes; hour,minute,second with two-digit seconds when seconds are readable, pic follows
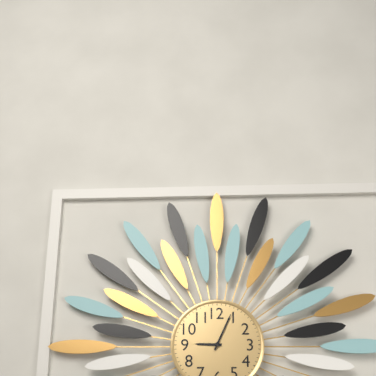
9,04
